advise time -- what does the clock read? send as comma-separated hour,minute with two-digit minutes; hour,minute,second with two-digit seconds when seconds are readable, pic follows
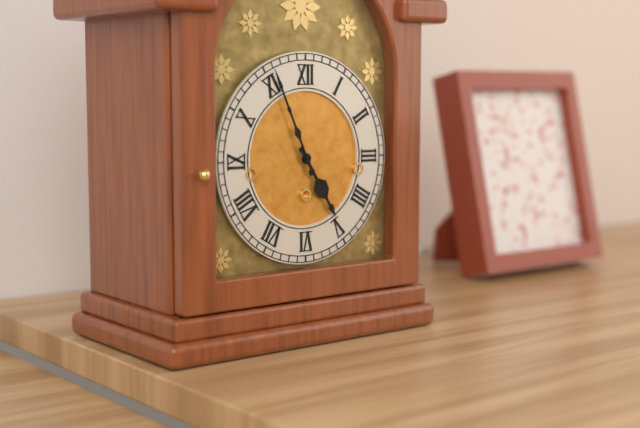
4,56
